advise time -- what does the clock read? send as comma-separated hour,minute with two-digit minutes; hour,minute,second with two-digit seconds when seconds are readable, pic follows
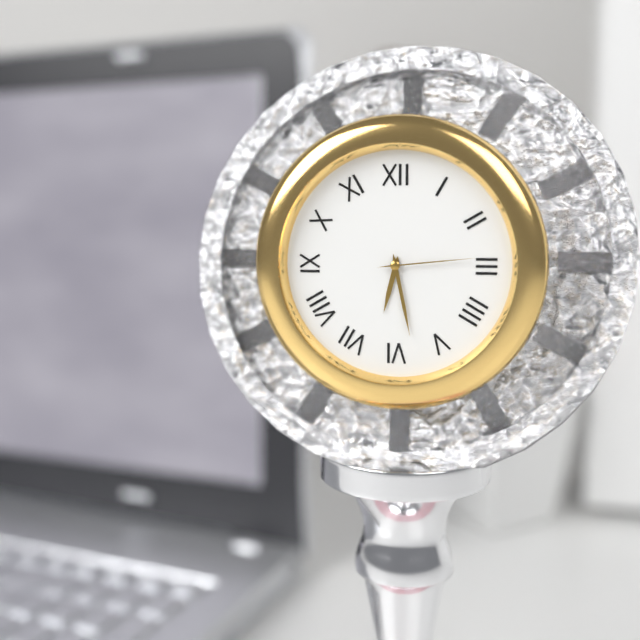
6,28,14
